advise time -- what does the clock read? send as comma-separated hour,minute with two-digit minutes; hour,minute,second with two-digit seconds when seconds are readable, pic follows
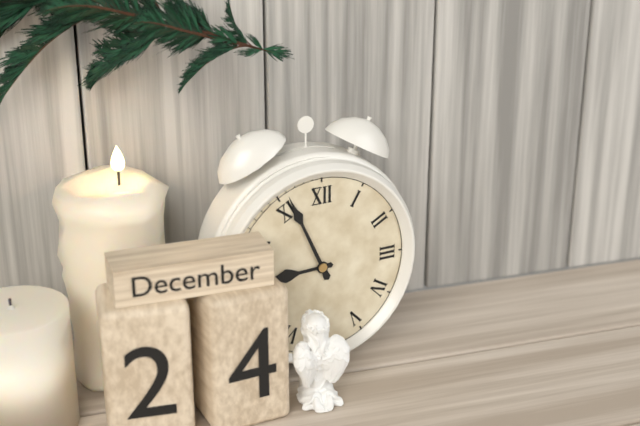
8,56
